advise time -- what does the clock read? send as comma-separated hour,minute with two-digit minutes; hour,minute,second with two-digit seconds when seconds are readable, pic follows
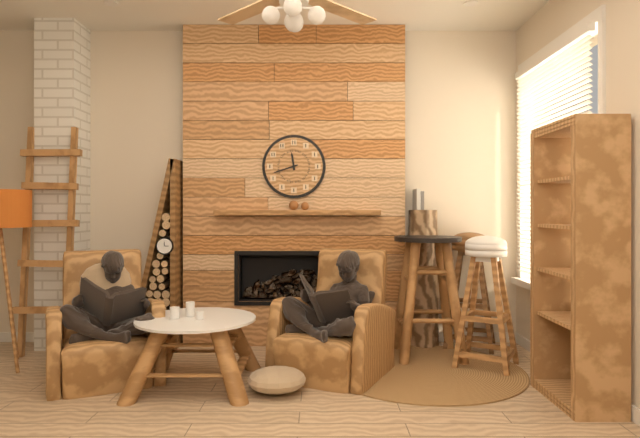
11,42
